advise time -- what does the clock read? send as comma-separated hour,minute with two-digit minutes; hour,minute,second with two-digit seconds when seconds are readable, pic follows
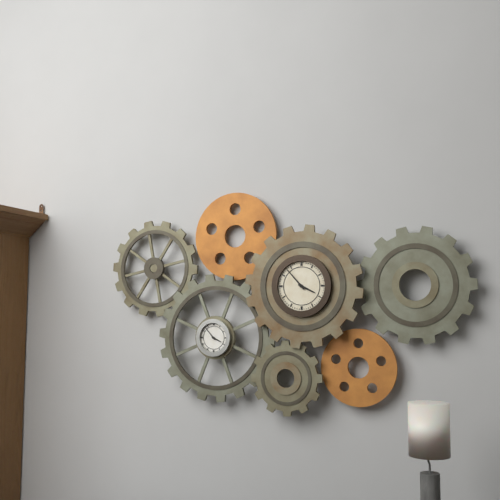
3,53
